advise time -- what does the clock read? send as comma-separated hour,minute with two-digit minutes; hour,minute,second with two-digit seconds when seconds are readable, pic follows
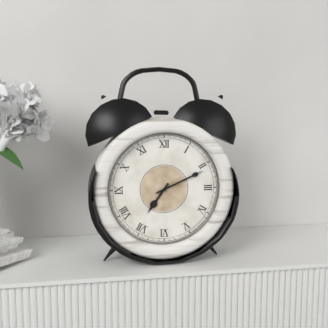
7,11
